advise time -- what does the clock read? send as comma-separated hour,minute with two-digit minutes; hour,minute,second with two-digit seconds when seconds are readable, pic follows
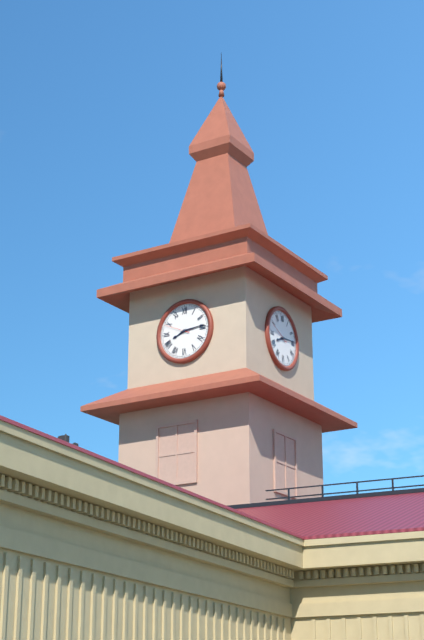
8,14
